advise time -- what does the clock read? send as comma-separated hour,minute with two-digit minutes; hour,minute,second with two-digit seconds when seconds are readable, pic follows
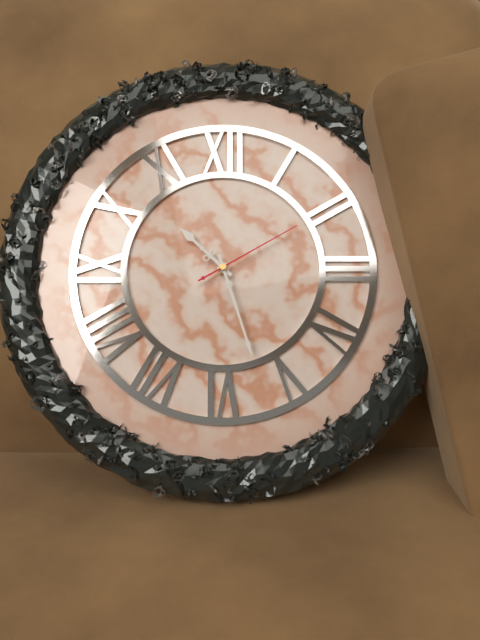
10,27,10
